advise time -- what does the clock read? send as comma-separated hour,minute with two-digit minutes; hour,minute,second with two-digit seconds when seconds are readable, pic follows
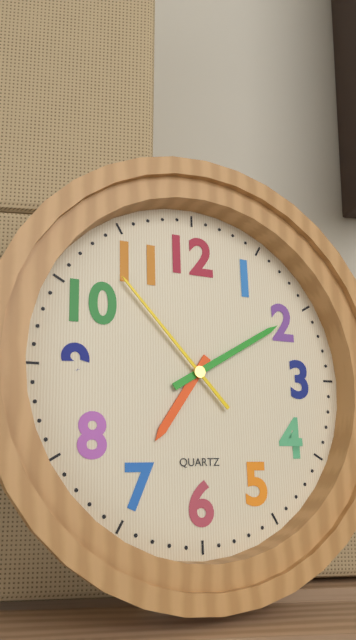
7,10,53
